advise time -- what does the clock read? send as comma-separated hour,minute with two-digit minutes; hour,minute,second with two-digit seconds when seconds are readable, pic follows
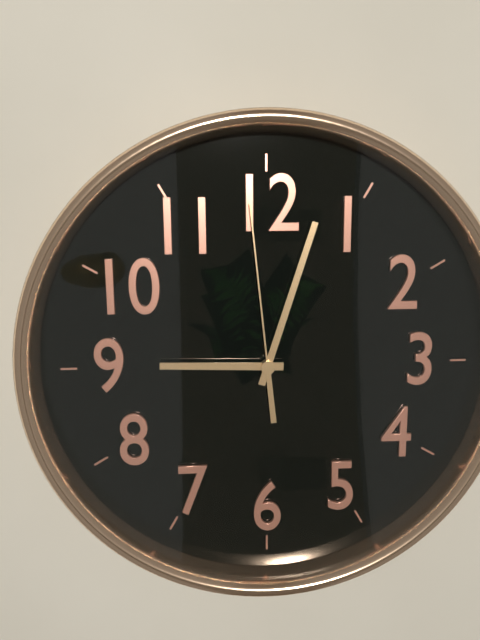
9,03,59
